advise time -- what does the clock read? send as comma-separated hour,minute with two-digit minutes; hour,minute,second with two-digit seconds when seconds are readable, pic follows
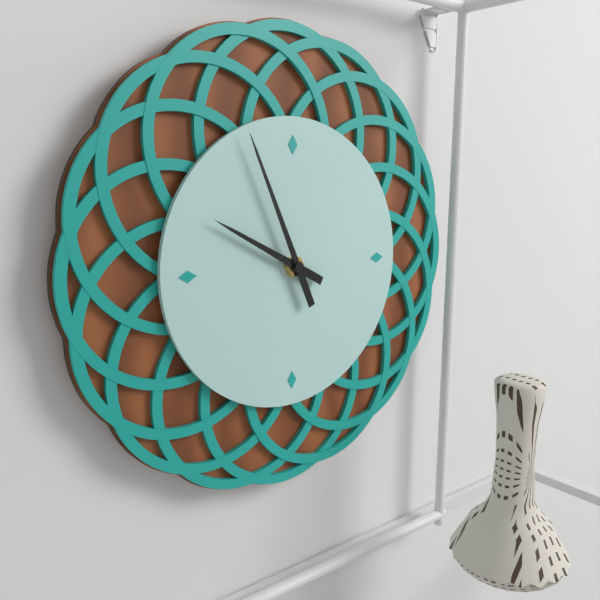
9,56
